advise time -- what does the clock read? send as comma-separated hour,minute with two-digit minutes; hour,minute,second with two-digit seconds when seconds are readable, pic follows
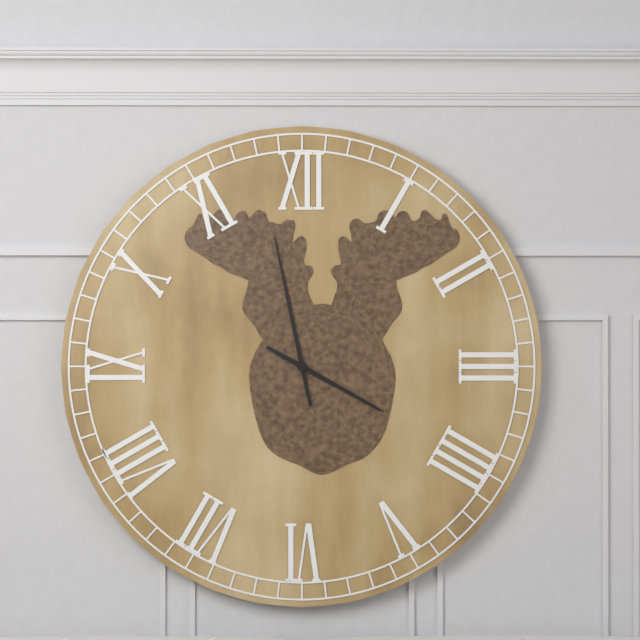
3,58
